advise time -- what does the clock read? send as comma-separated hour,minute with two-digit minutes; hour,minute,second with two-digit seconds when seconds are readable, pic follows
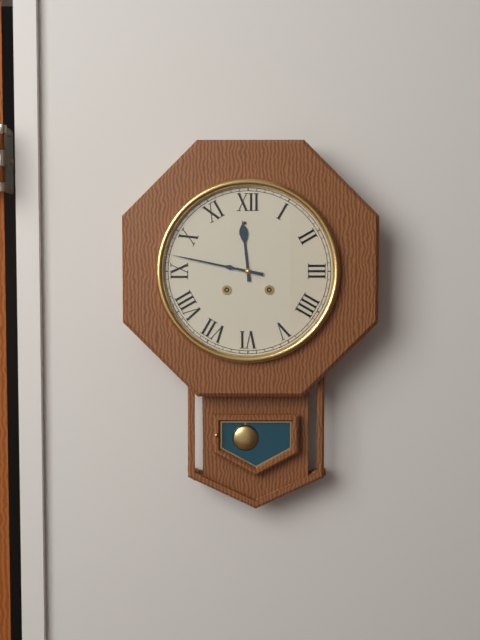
11,47
